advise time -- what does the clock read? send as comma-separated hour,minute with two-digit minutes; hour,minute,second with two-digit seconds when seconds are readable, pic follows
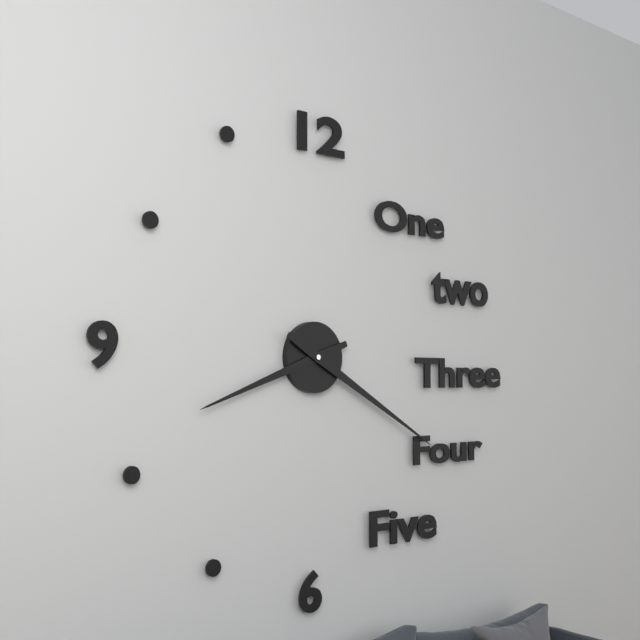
8,20
